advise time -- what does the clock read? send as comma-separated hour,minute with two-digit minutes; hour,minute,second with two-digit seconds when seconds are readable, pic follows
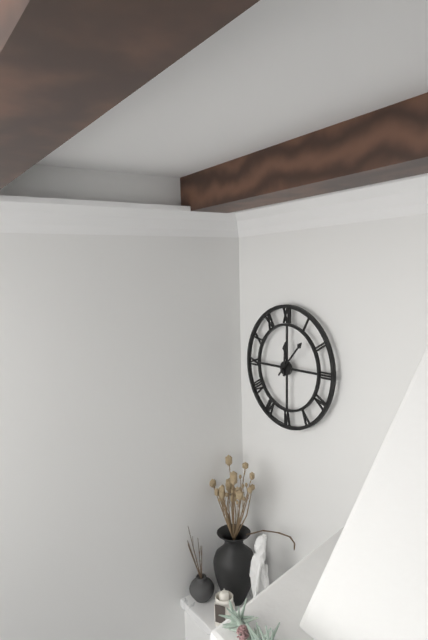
12,07
